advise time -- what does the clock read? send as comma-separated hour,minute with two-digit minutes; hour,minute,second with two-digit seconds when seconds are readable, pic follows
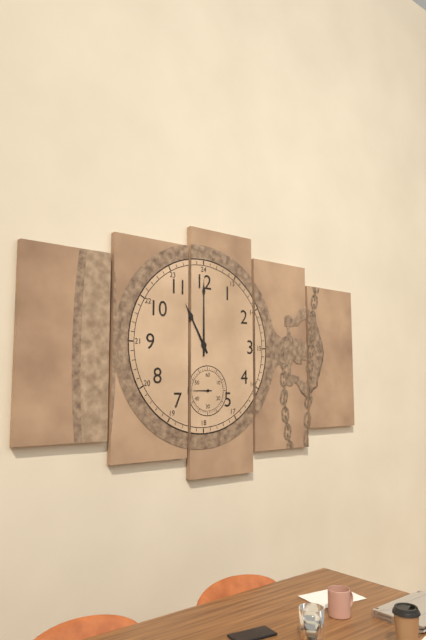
11,00
